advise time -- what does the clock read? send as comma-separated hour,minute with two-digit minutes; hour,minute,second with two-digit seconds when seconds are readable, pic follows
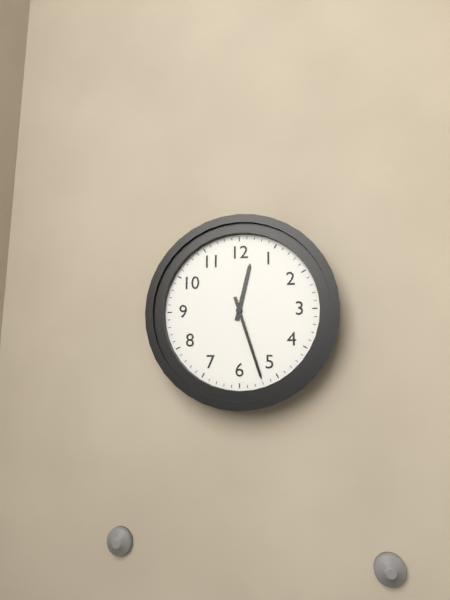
12,27
